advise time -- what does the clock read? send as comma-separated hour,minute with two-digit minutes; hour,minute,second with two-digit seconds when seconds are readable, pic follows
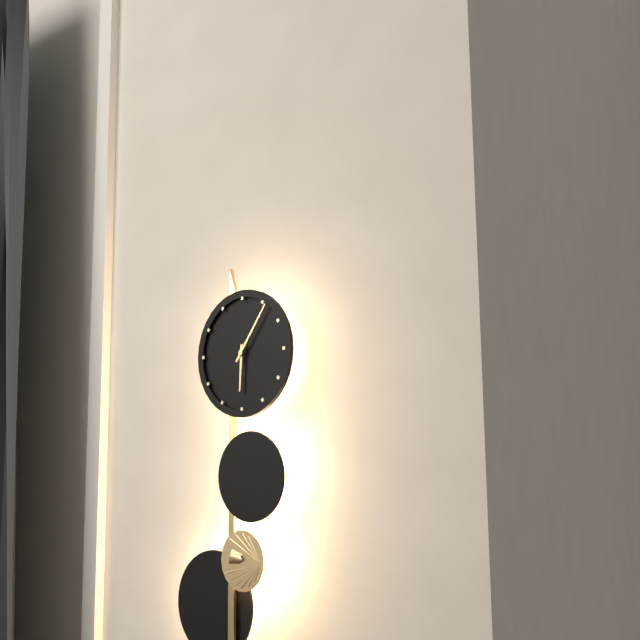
6,06
